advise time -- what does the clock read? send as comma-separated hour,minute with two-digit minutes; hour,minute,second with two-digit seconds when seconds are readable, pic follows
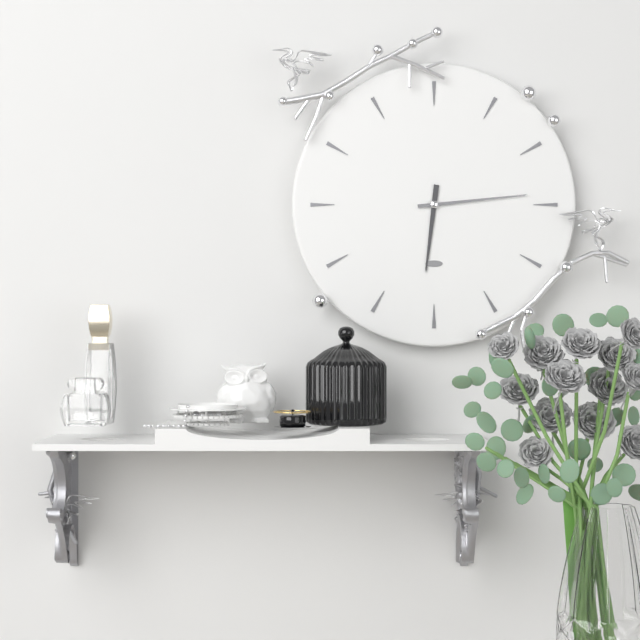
6,14
